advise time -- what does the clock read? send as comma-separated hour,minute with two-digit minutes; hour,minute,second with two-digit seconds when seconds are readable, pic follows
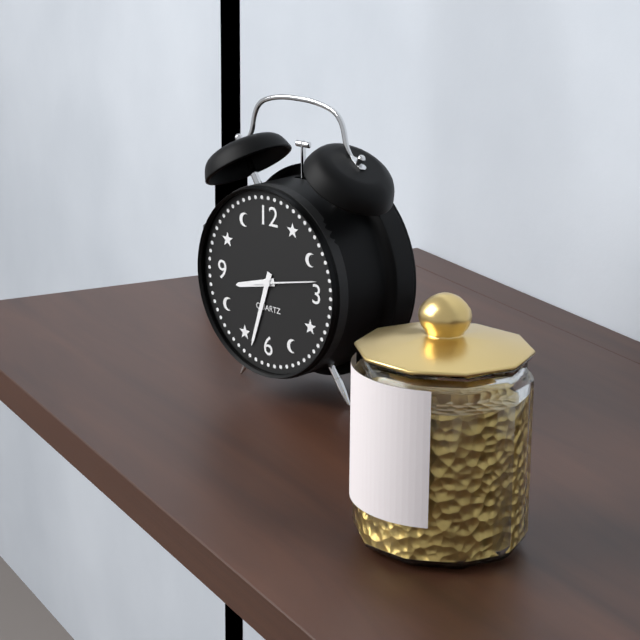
8,33,13
